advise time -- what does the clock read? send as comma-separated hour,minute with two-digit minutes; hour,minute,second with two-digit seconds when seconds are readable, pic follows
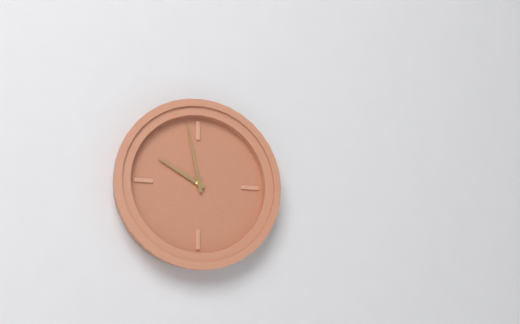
9,58
